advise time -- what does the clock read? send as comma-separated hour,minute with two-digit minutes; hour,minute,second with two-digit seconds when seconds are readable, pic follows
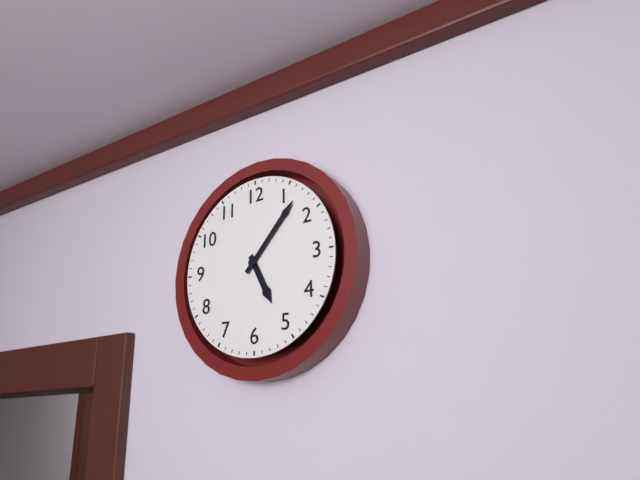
5,07
